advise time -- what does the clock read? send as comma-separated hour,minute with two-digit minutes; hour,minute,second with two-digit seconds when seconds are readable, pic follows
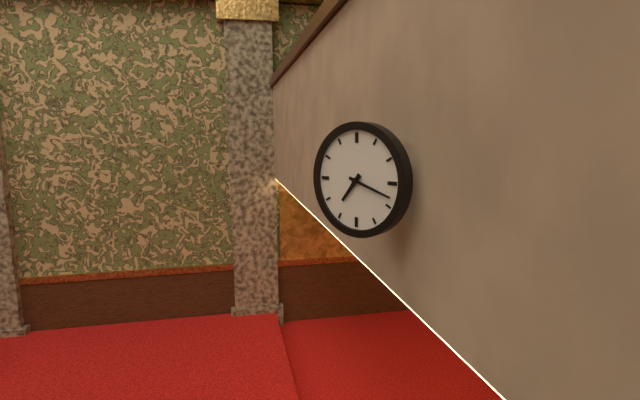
7,18
